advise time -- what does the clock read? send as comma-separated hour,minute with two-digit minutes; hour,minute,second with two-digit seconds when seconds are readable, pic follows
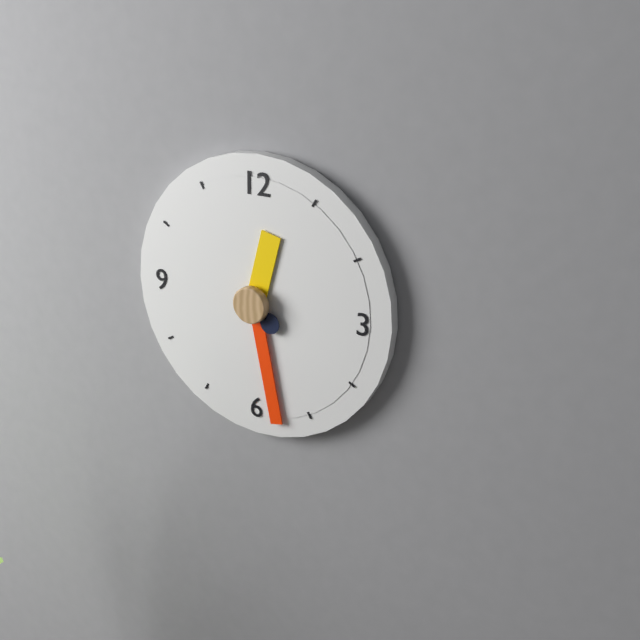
12,28
